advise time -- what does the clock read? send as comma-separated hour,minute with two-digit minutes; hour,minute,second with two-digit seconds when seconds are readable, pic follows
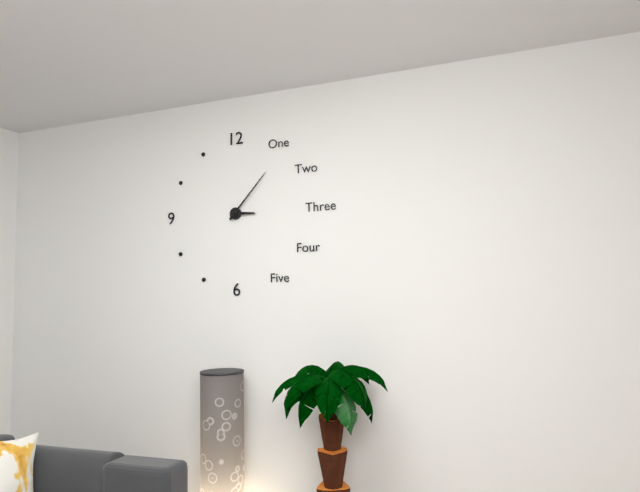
3,07
